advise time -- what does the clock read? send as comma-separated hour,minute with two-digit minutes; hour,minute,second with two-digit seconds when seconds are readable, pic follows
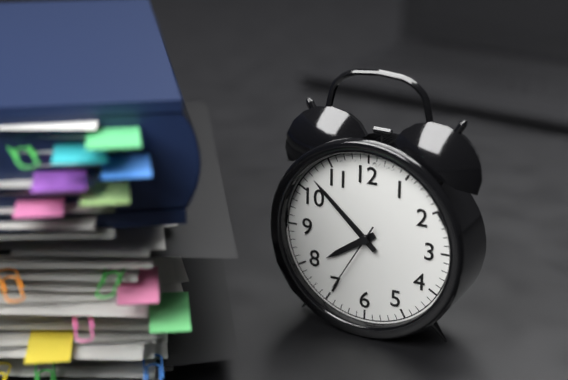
7,52,35
